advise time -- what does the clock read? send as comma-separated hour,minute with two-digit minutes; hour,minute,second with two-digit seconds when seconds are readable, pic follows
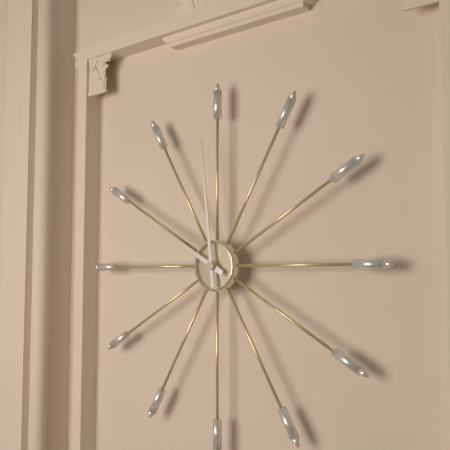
9,59
